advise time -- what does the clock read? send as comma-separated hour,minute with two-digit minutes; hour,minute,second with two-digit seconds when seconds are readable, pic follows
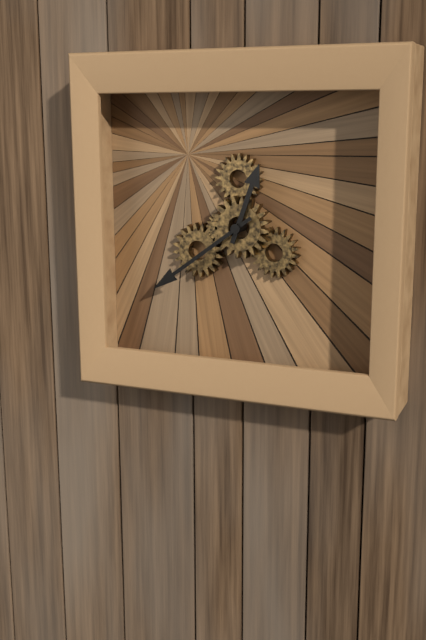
12,39
